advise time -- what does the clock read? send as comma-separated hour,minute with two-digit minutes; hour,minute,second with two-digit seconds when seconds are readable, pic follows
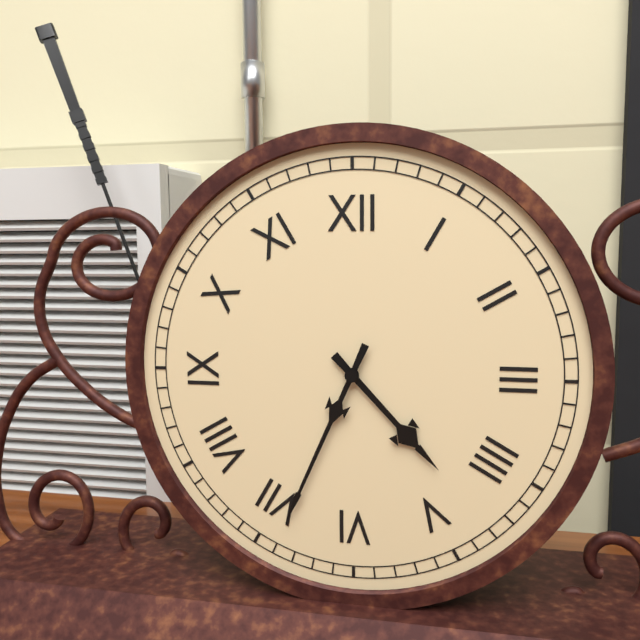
4,34
